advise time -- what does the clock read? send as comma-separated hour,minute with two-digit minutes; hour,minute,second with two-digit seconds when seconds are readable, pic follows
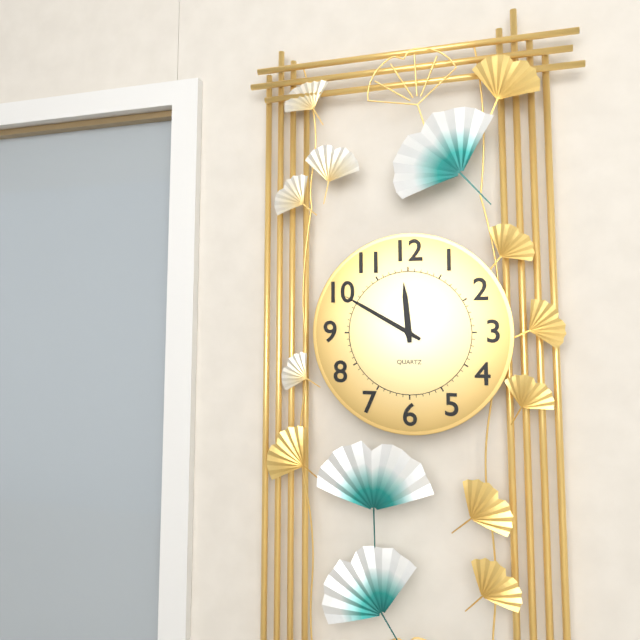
11,50
